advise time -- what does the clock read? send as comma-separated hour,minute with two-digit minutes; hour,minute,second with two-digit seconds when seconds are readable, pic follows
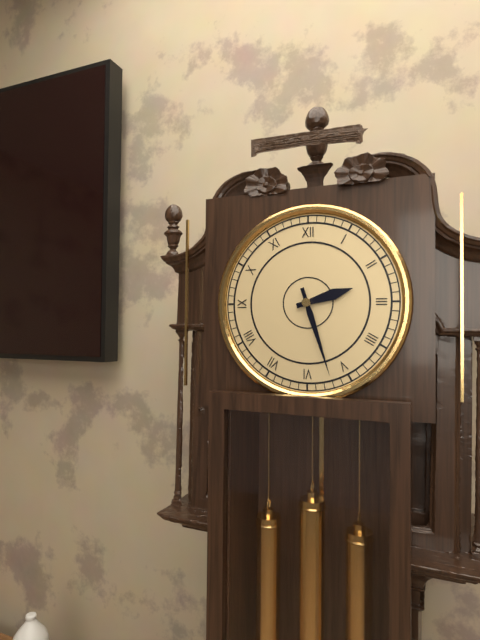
2,27
